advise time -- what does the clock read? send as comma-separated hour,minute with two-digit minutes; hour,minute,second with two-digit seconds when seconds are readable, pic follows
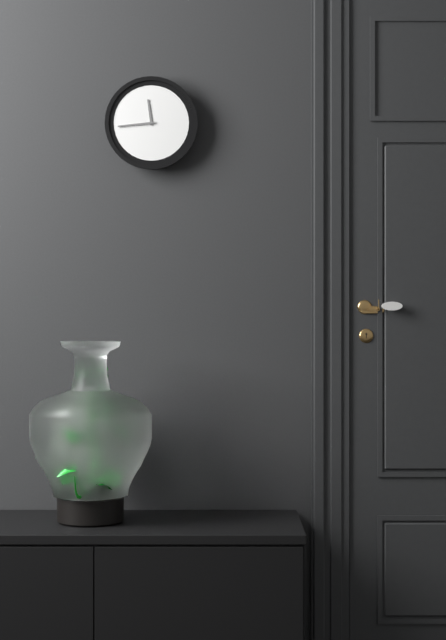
11,44
